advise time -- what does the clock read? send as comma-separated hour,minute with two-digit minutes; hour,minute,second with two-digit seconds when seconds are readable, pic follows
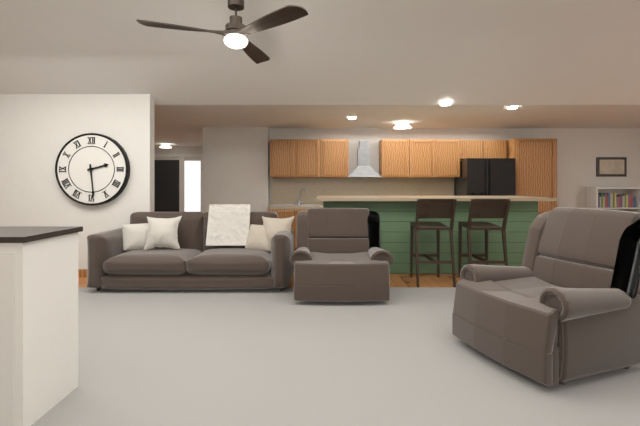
2,29
